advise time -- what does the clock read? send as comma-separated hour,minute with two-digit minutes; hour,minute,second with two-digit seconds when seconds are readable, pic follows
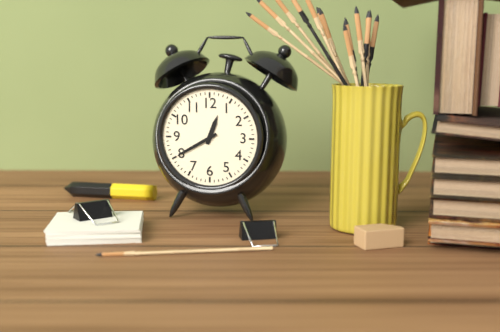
12,40
